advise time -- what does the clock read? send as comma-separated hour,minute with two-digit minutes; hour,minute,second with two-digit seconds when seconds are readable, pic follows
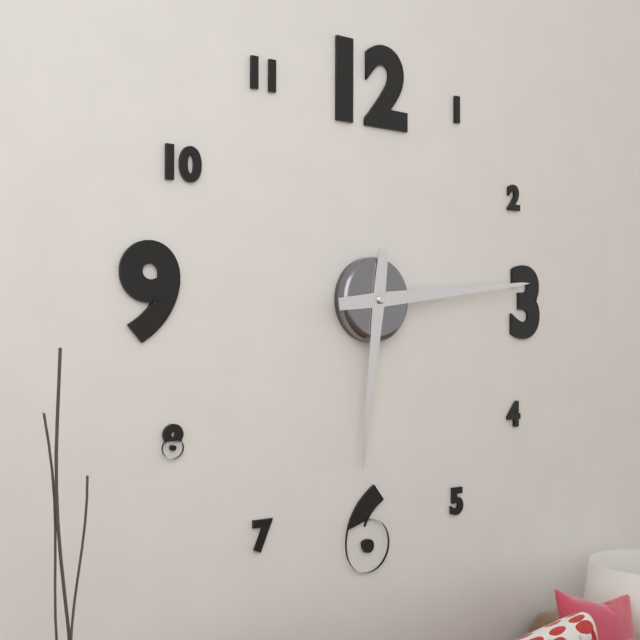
6,14
